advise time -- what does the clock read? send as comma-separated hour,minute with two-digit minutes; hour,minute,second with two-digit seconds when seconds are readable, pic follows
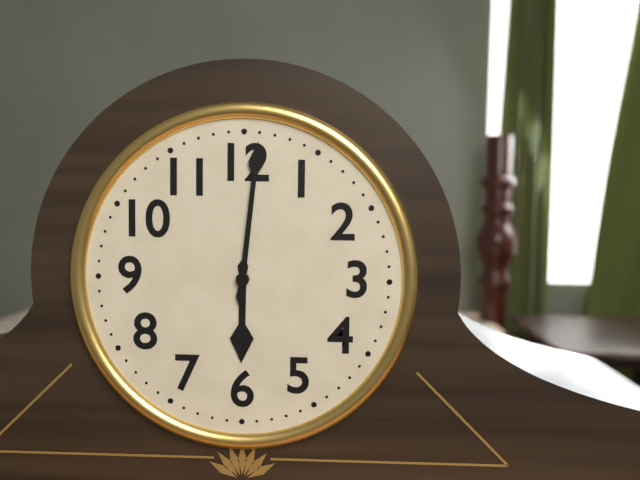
6,01
